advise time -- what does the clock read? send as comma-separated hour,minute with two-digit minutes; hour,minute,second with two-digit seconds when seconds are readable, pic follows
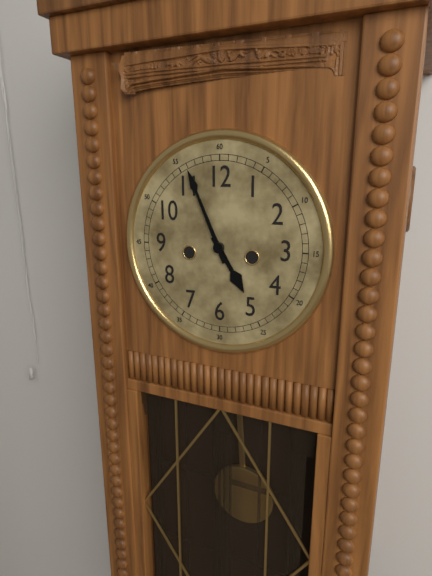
4,56
